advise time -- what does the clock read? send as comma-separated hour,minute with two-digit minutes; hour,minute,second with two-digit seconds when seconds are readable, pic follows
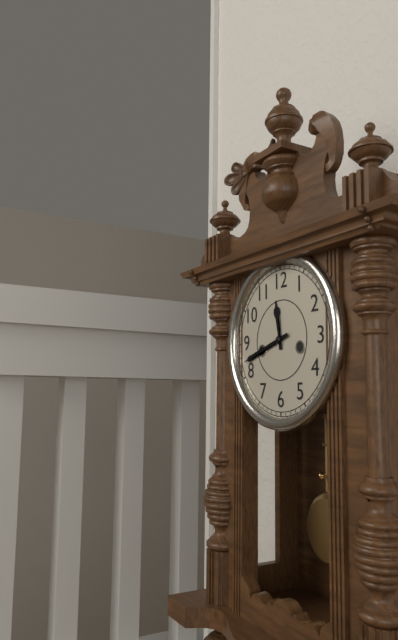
11,42
